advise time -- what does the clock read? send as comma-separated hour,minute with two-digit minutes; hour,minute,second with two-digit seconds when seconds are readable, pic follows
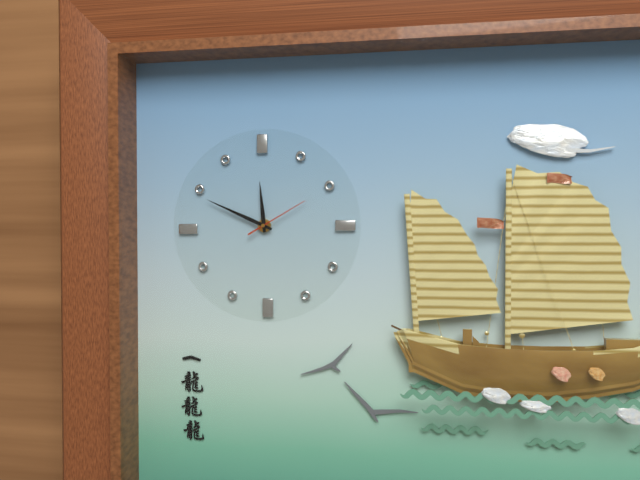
11,49,10
